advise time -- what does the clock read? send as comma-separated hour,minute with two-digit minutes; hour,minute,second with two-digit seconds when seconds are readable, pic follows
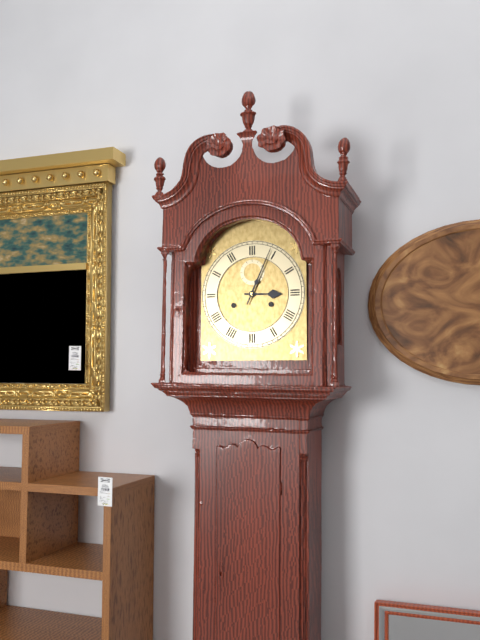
3,04
